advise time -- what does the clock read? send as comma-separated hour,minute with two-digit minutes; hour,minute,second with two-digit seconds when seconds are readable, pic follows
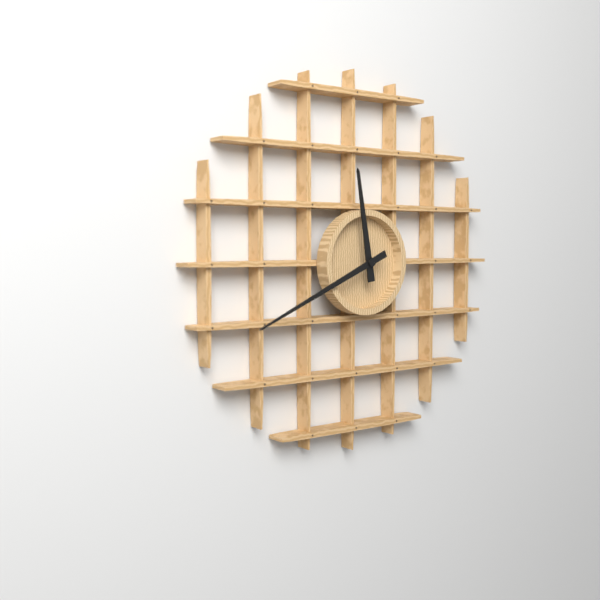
11,41
